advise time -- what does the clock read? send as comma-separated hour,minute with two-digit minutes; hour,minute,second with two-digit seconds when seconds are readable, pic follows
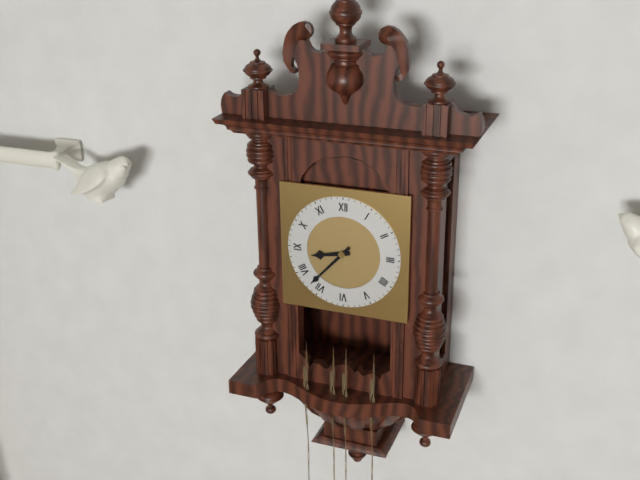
8,37
